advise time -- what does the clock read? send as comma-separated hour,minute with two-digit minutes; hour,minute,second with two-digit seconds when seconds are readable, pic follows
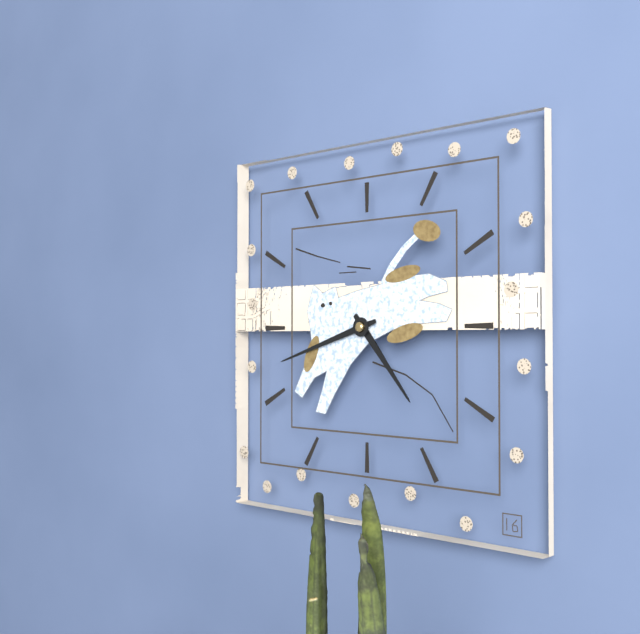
4,42
